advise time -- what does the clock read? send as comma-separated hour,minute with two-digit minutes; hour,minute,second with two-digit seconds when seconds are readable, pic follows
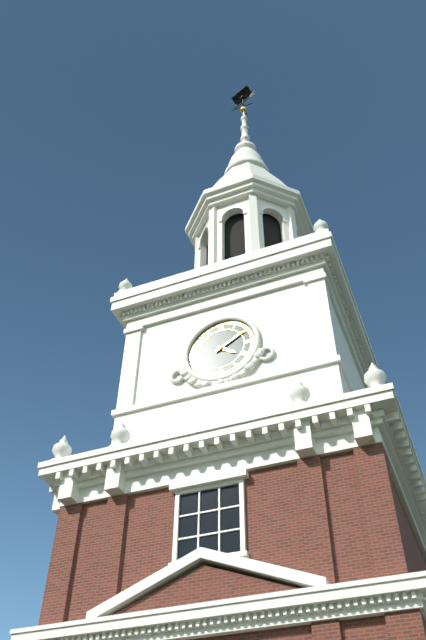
4,10
